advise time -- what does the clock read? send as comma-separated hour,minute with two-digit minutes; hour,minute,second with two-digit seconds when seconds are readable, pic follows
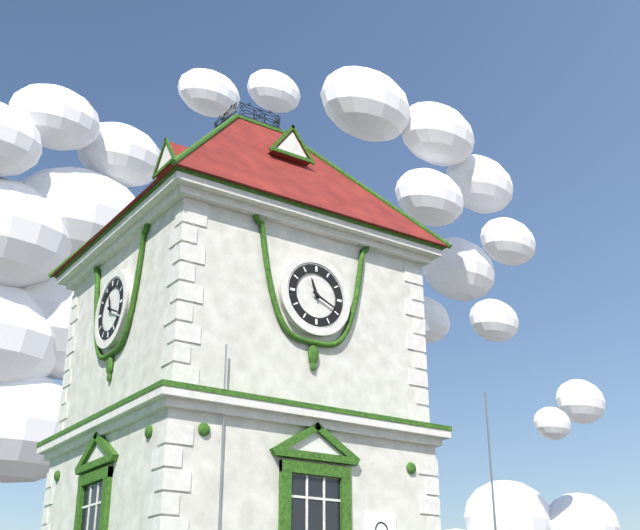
11,19
